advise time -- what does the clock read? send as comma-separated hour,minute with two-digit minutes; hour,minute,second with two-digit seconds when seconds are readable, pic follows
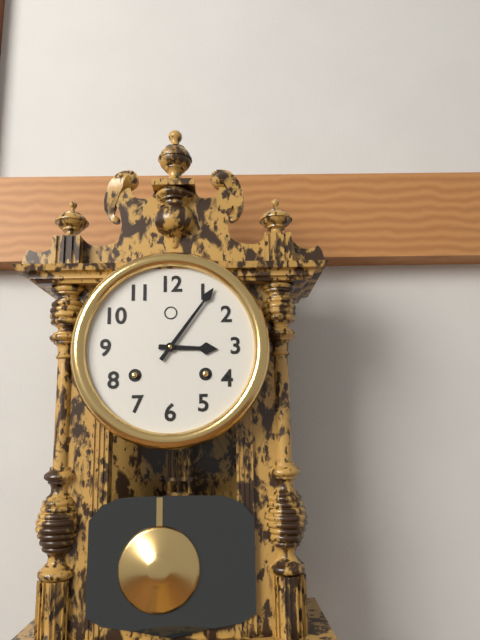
3,06
